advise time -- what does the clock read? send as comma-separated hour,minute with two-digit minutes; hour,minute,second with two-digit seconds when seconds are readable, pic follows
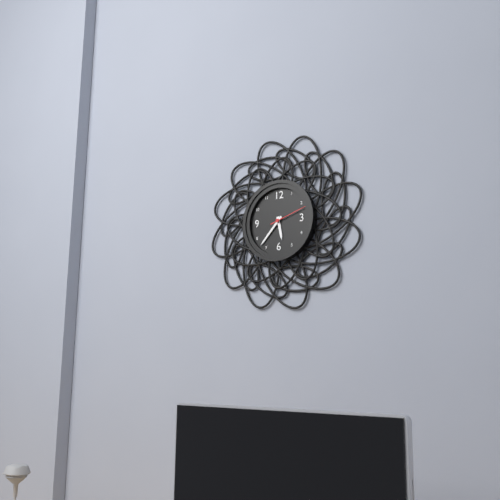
5,37
